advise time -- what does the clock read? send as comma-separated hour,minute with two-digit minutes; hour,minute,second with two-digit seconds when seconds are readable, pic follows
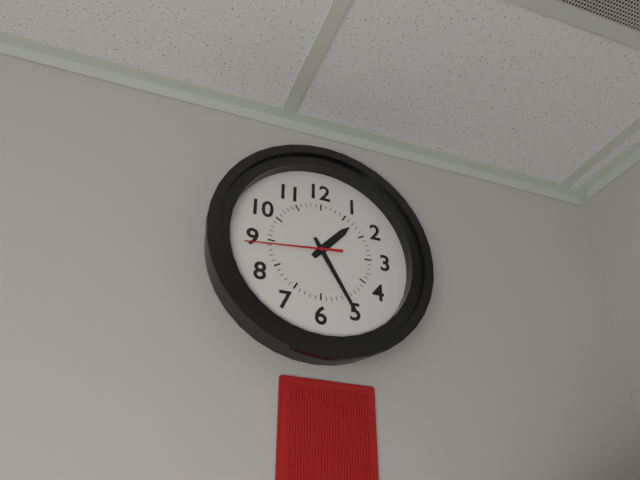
1,25,44
